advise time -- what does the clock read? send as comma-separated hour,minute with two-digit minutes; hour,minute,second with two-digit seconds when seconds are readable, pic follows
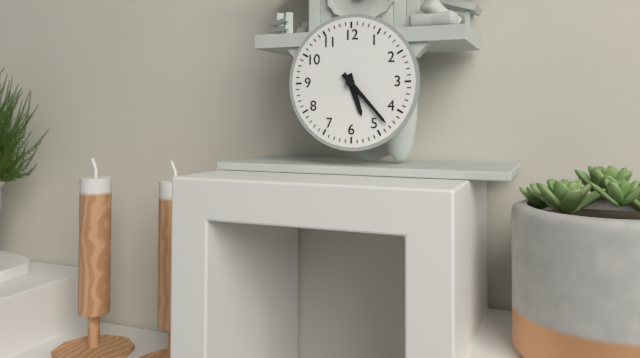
5,23
